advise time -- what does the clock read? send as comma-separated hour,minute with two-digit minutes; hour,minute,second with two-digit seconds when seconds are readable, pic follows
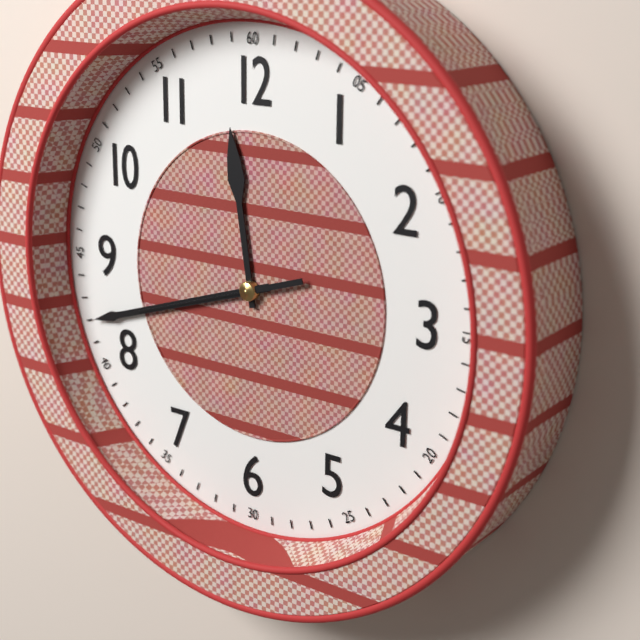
11,42,42
